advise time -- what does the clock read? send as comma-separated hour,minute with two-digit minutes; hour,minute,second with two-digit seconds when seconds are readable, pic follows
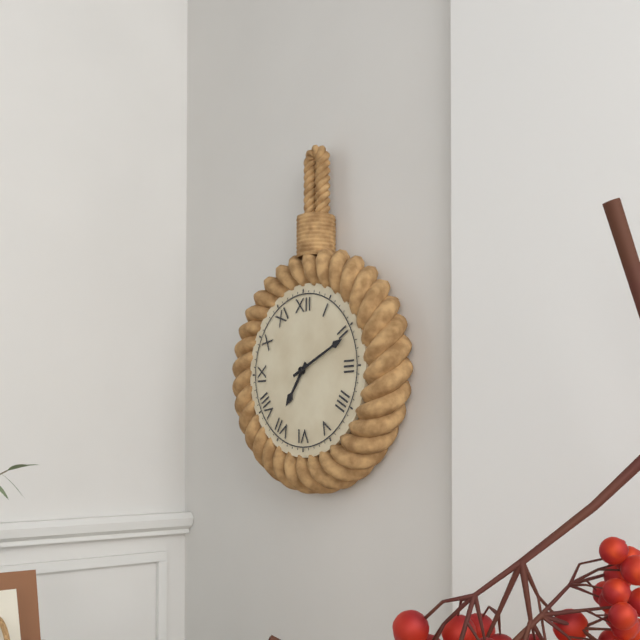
7,11
